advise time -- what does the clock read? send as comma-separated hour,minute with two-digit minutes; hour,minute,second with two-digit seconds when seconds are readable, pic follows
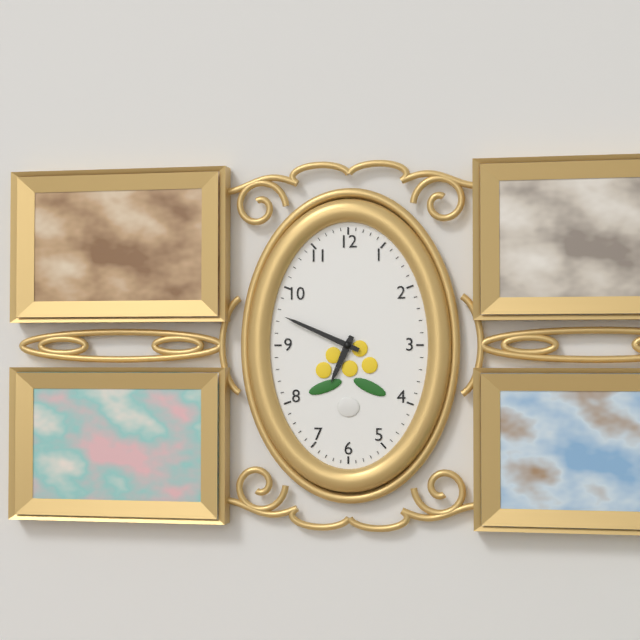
6,49
